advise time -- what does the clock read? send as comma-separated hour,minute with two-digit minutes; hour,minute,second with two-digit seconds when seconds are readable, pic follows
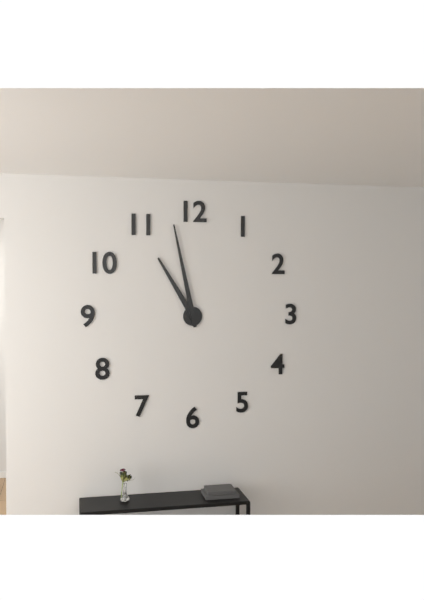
10,58
